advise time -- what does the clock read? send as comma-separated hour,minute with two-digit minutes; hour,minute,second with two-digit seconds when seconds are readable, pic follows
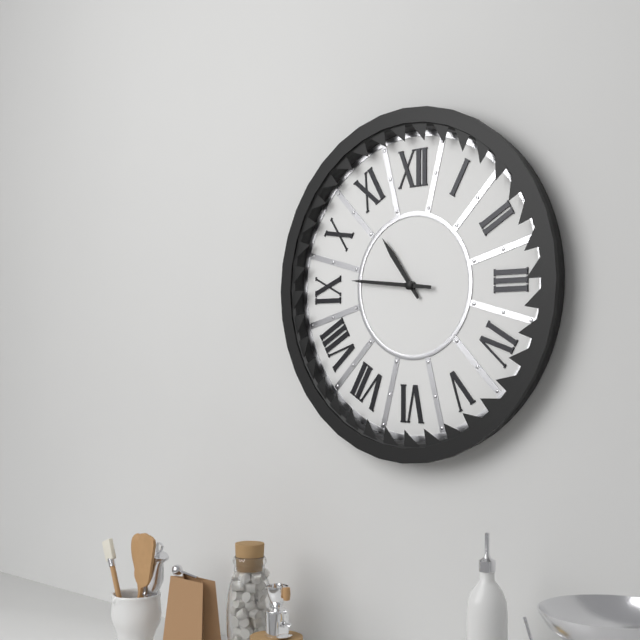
10,46
